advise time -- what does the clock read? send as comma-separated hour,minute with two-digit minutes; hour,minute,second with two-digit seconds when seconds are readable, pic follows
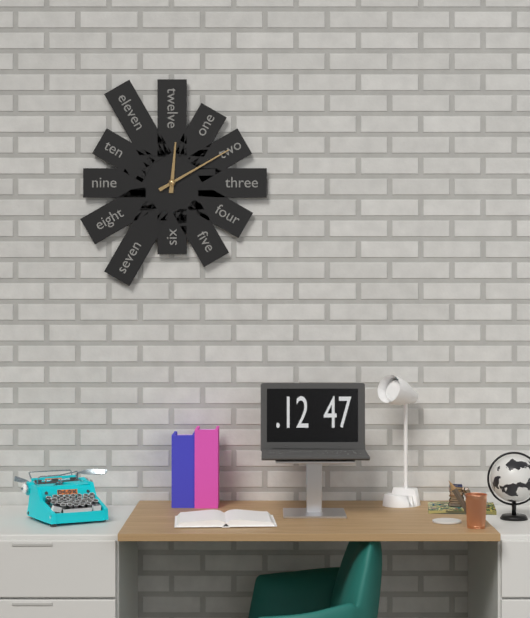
12,10
